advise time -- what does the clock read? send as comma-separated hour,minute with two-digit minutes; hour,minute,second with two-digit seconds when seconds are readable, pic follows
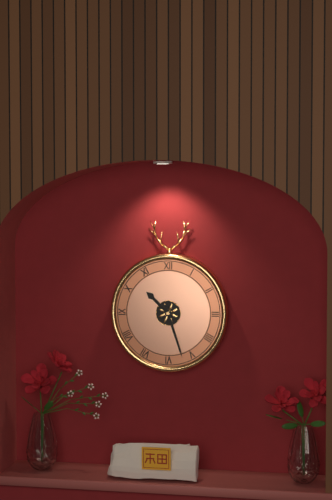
10,27
